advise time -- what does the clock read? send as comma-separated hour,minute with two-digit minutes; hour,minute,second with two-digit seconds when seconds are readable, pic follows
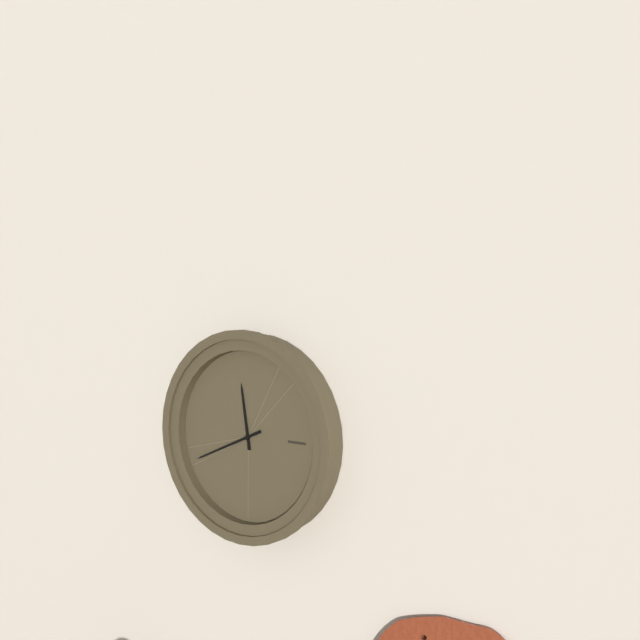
11,41
